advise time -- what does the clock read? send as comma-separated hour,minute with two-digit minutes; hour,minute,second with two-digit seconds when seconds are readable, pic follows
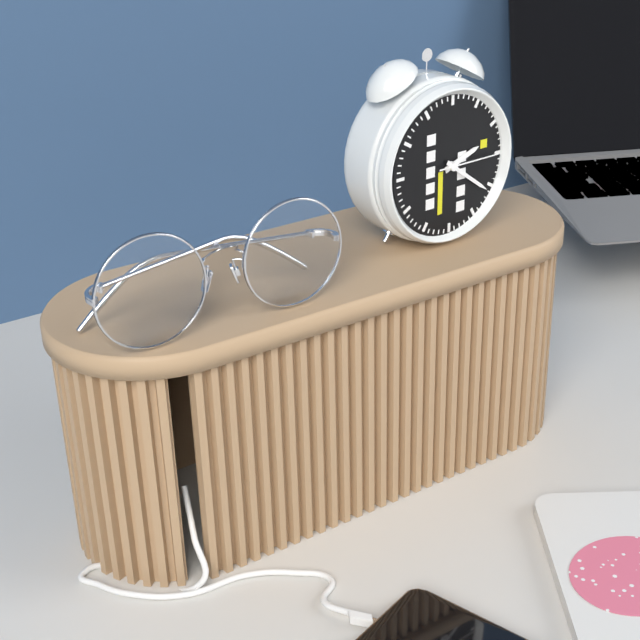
2,21,15
